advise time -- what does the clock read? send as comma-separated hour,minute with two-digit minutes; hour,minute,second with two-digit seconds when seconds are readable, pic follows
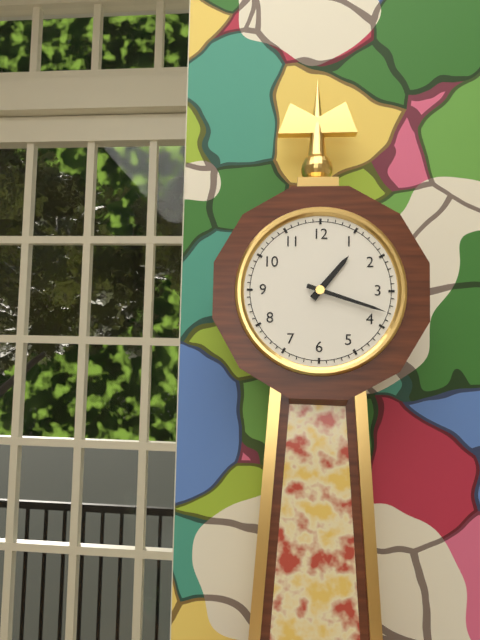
1,18
